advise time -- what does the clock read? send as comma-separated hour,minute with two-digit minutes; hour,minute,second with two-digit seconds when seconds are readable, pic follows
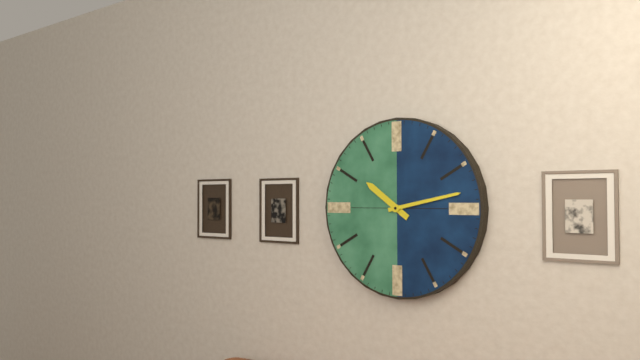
10,13
